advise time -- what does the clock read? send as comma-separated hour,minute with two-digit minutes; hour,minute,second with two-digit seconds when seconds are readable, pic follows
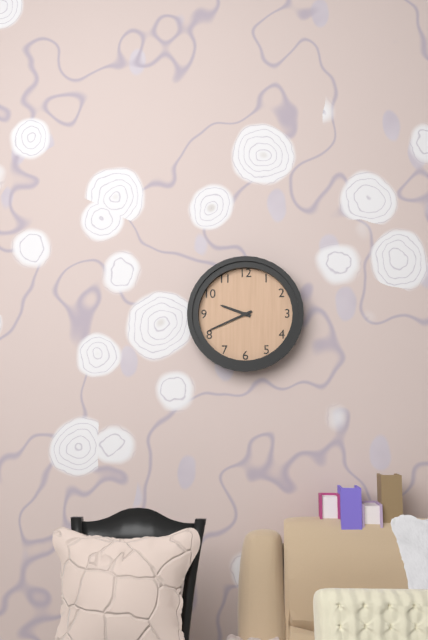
9,41
